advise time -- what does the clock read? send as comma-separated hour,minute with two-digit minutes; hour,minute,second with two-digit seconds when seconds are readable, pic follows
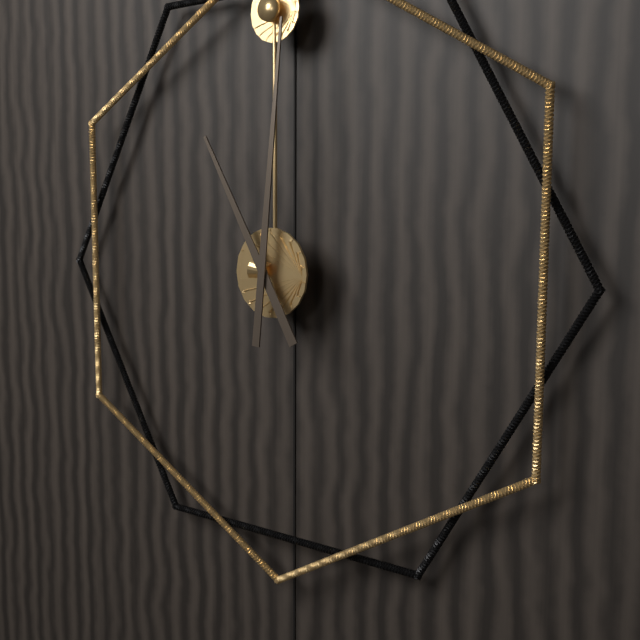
11,01
